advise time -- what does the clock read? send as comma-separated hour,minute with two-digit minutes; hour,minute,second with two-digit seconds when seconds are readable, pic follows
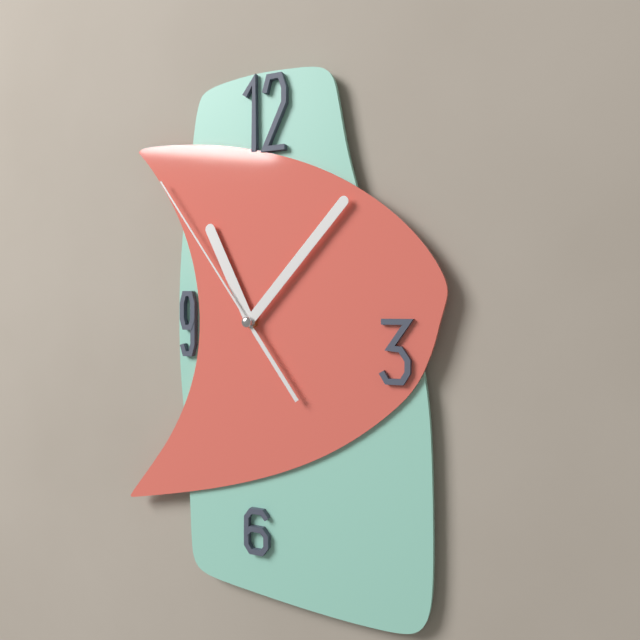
11,07,54
